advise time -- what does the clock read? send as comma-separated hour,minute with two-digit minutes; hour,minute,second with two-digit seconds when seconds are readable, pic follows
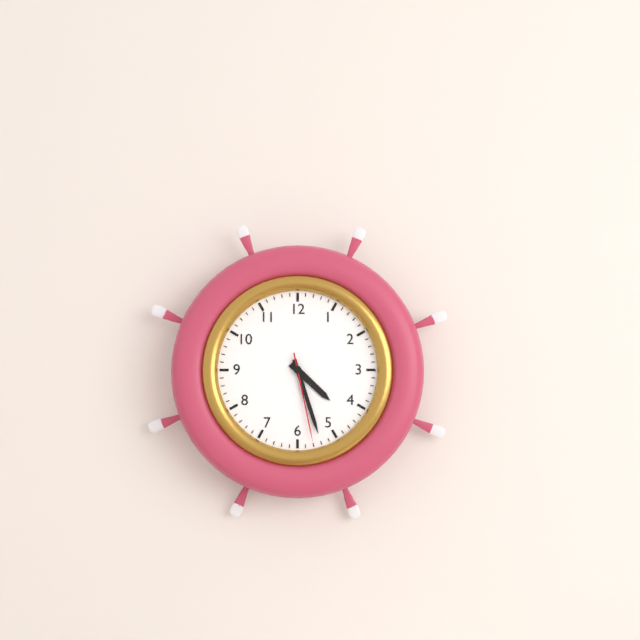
4,27,28
